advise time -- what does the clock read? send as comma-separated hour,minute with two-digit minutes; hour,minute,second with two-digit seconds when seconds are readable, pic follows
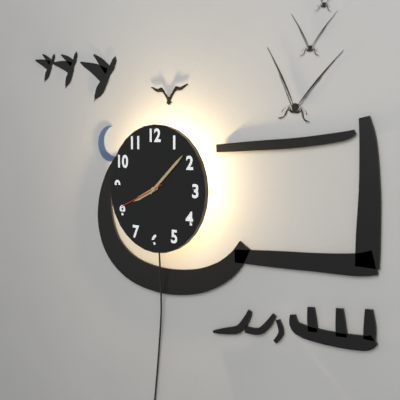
8,08,41
